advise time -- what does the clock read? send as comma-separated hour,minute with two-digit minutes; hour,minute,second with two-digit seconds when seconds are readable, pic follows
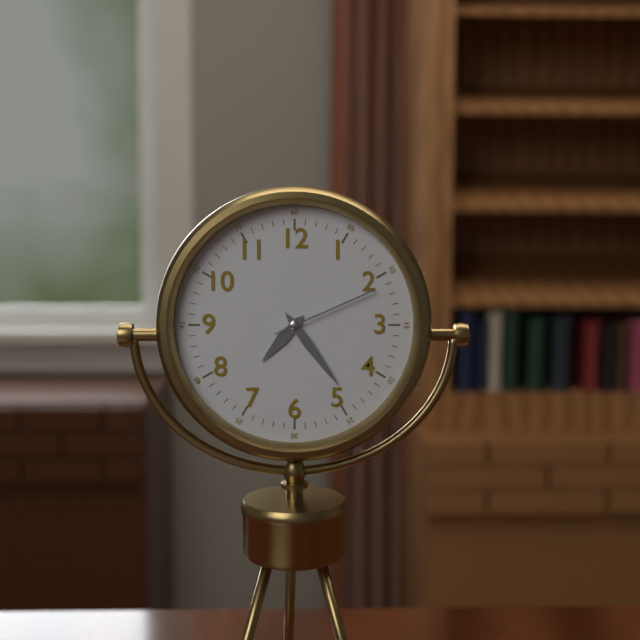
7,24,11
